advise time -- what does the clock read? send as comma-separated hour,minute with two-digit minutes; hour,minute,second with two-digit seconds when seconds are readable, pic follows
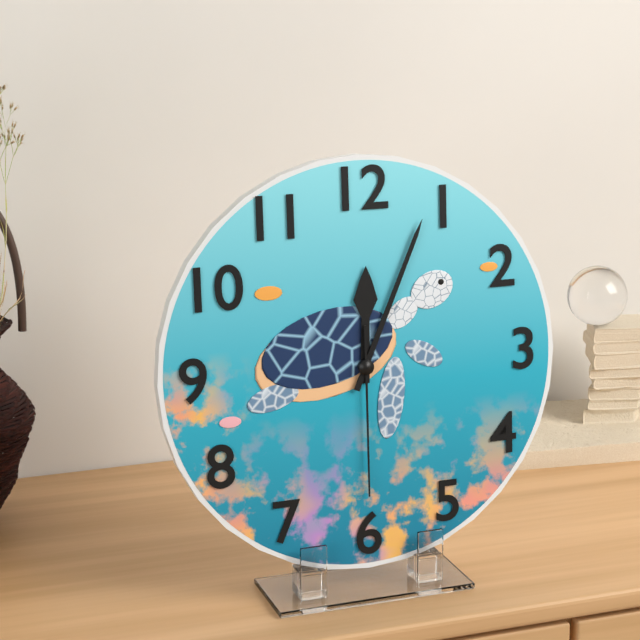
12,04,30
